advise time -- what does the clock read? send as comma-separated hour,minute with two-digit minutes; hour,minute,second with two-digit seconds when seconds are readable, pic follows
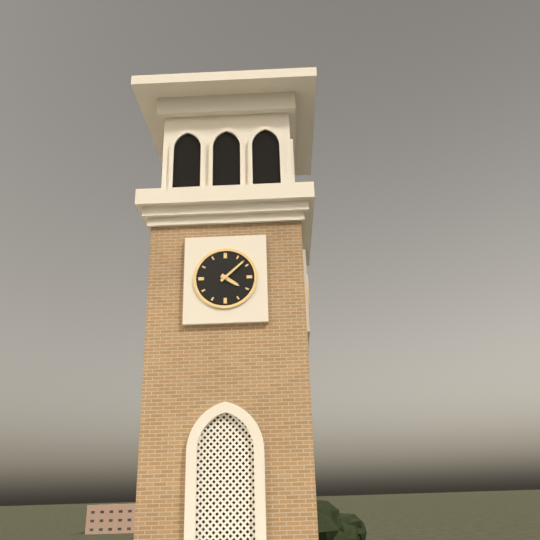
4,08
